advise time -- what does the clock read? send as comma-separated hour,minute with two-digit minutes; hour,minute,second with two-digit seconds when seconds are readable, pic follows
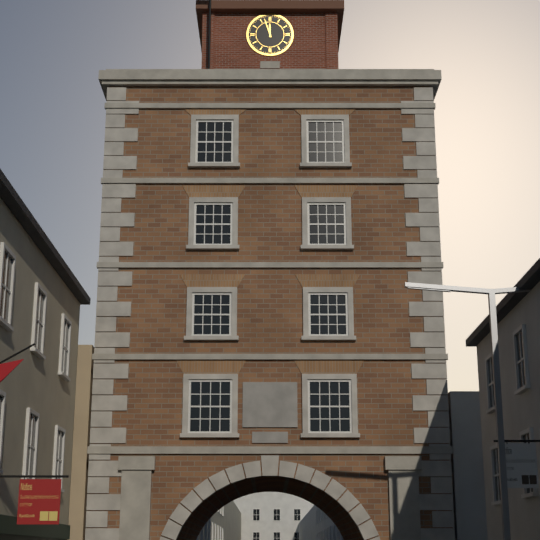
11,57
